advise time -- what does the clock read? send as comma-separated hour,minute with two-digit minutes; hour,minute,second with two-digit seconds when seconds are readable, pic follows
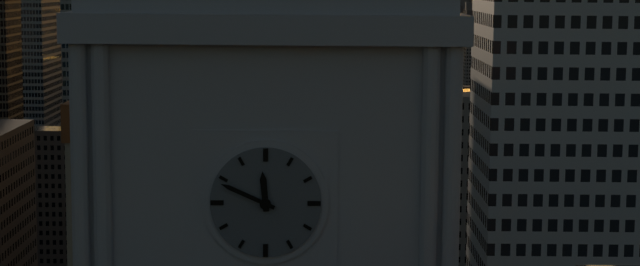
11,49
